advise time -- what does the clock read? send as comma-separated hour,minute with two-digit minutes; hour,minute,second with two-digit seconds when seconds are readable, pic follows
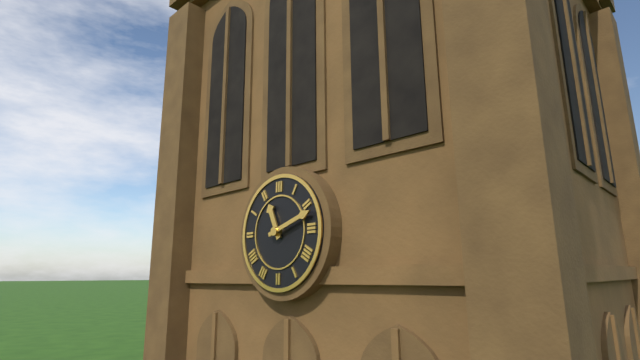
11,12
